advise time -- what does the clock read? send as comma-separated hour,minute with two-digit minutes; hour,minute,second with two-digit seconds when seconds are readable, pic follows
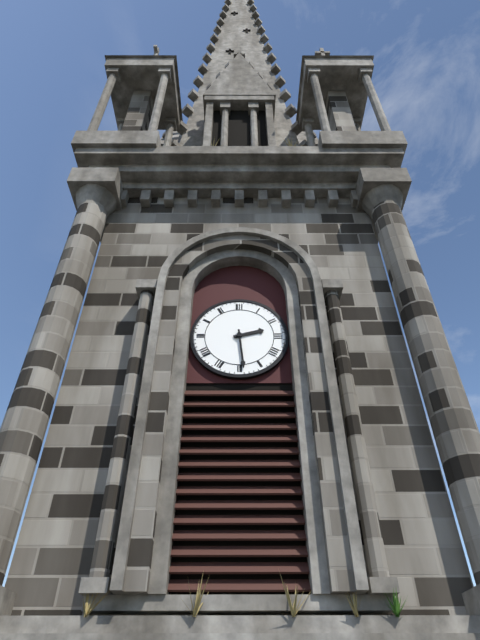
2,29
